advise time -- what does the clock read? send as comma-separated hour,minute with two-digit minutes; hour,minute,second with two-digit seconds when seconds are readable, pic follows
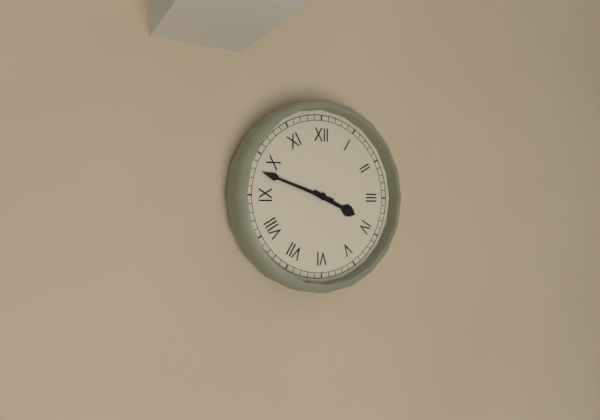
3,48
